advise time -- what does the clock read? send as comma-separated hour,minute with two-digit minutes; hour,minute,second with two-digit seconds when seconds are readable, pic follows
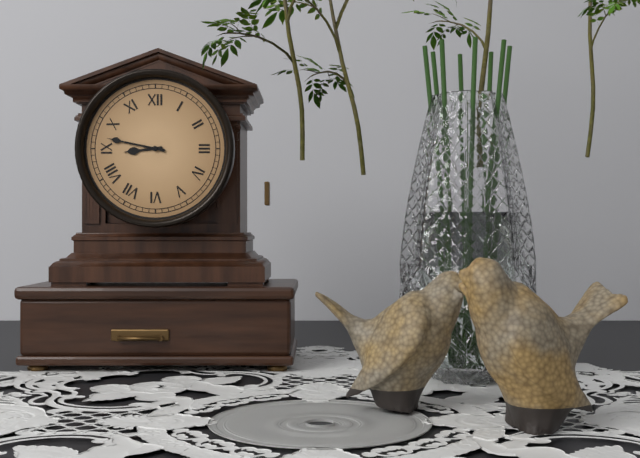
8,47
